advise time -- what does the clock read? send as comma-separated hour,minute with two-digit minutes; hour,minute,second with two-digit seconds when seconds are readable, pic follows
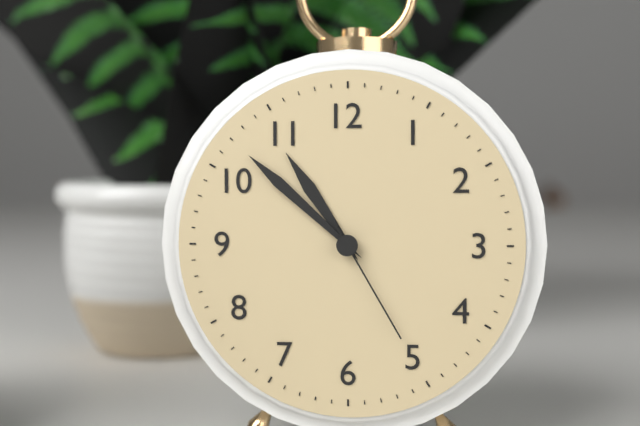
10,52,25
